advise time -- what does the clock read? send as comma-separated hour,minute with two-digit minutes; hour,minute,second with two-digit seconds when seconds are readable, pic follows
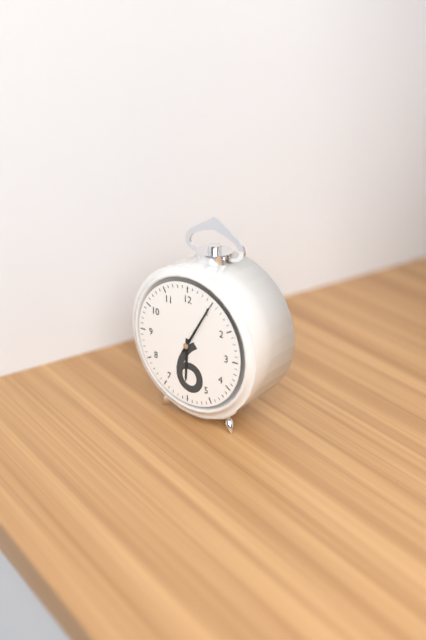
6,05
